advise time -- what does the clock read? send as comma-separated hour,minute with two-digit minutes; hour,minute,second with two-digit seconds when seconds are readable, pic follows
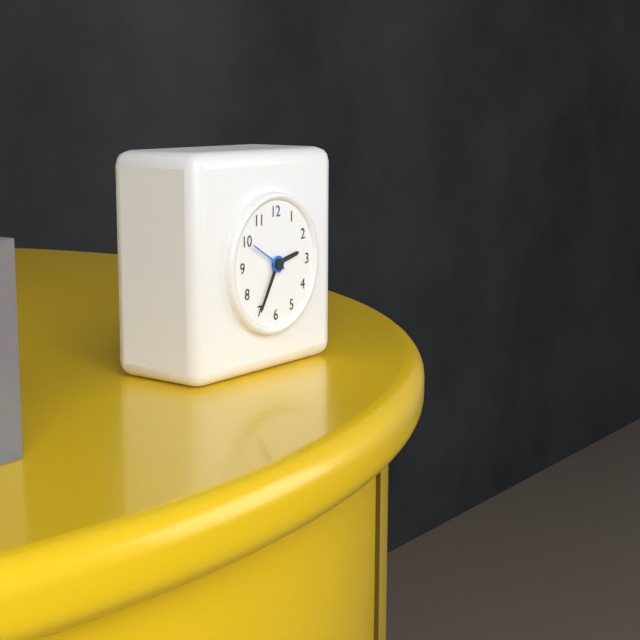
2,35
